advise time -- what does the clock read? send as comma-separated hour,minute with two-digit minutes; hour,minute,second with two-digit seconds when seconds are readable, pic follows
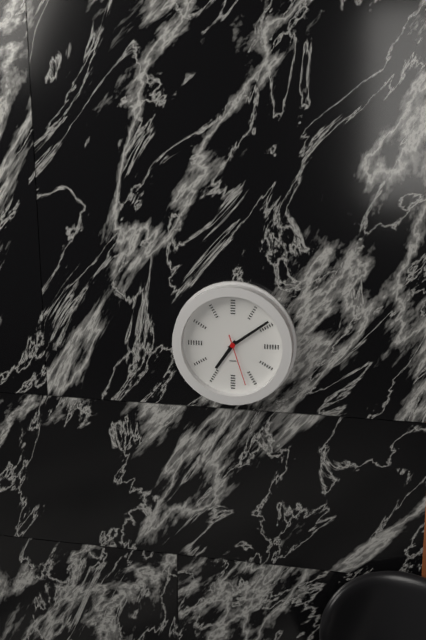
7,09,27
